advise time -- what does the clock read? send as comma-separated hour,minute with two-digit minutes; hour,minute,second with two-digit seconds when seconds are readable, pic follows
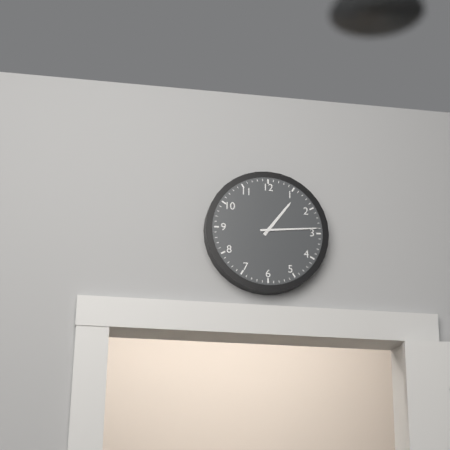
1,14
